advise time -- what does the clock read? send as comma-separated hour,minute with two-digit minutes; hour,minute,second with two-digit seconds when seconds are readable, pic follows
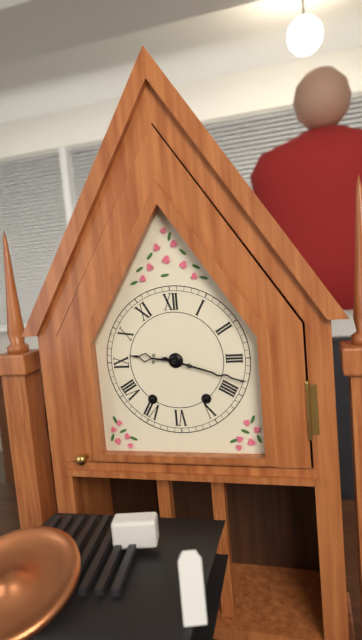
9,18
